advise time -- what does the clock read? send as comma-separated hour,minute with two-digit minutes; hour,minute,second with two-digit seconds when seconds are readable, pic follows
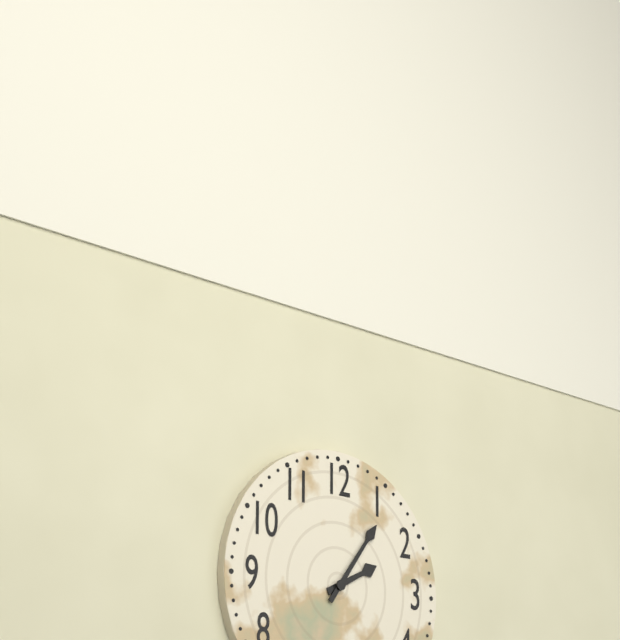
2,06
